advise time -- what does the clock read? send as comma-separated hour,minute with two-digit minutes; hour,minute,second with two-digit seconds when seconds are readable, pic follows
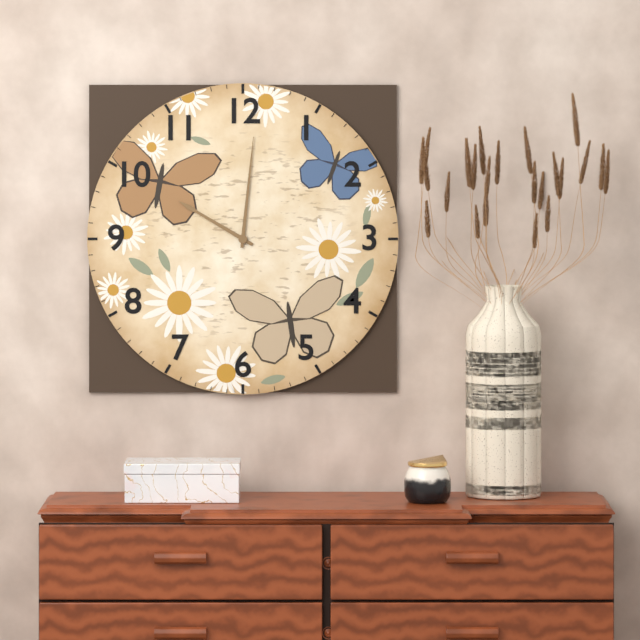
10,01
